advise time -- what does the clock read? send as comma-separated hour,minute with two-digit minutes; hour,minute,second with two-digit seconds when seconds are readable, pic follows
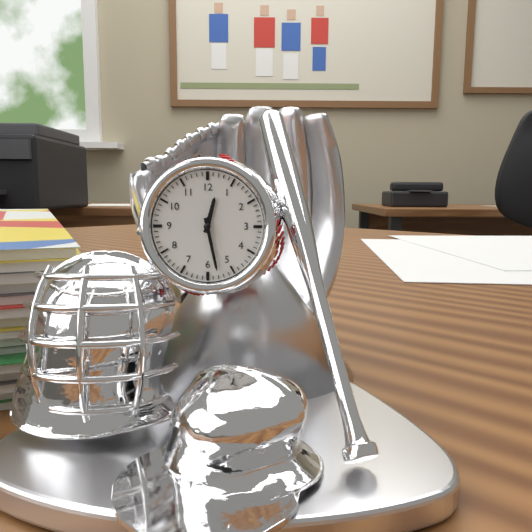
12,28
